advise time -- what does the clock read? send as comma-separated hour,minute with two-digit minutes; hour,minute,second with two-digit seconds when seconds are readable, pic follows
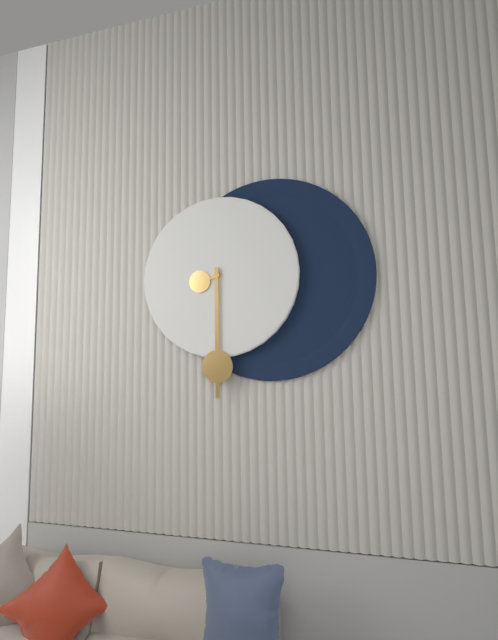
8,30
